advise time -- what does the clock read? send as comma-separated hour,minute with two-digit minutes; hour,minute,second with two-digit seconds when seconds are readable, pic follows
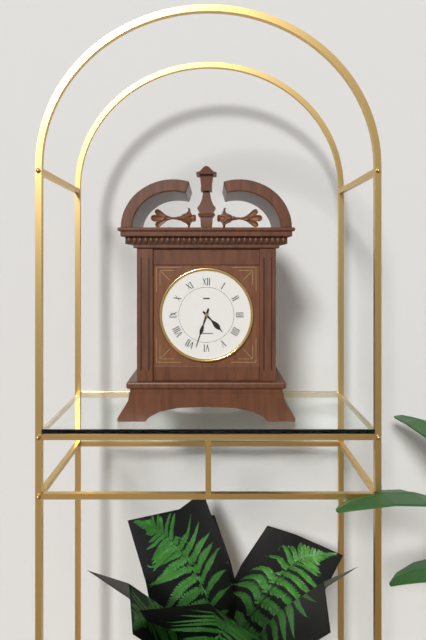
4,33
